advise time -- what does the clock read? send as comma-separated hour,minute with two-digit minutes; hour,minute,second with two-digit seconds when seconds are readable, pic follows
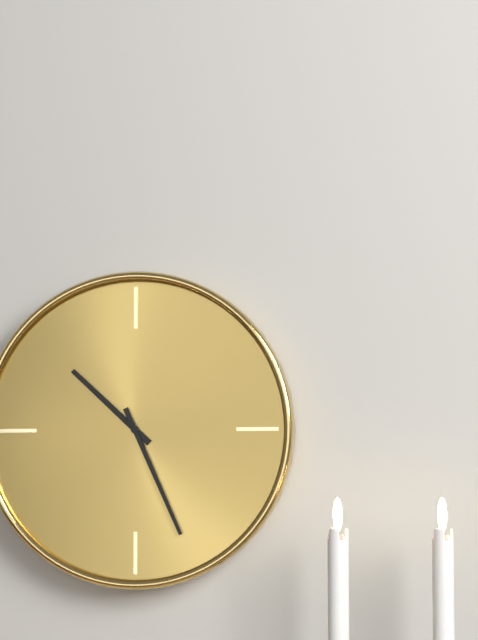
10,26
